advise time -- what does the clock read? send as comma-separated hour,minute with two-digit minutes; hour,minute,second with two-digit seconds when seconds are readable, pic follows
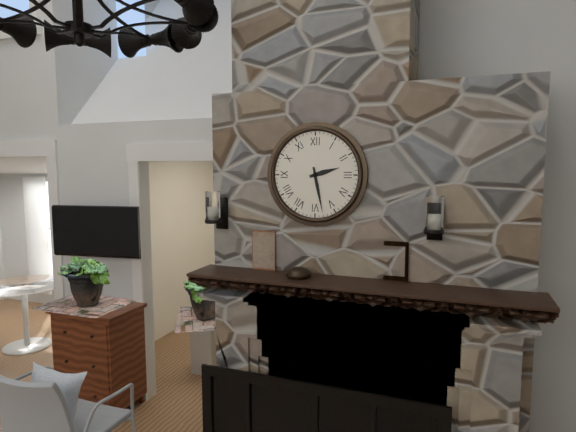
2,28
